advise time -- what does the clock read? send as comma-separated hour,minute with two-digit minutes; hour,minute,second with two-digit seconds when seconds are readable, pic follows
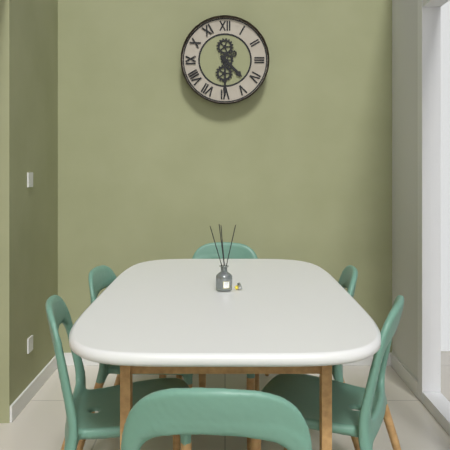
4,30
